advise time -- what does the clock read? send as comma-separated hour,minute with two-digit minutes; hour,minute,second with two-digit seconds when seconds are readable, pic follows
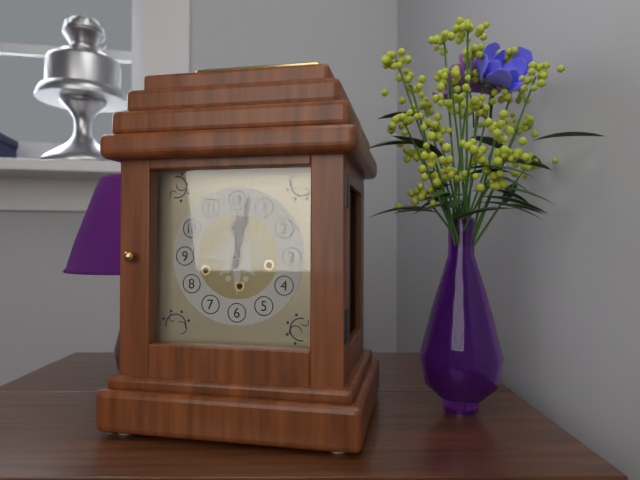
12,02
